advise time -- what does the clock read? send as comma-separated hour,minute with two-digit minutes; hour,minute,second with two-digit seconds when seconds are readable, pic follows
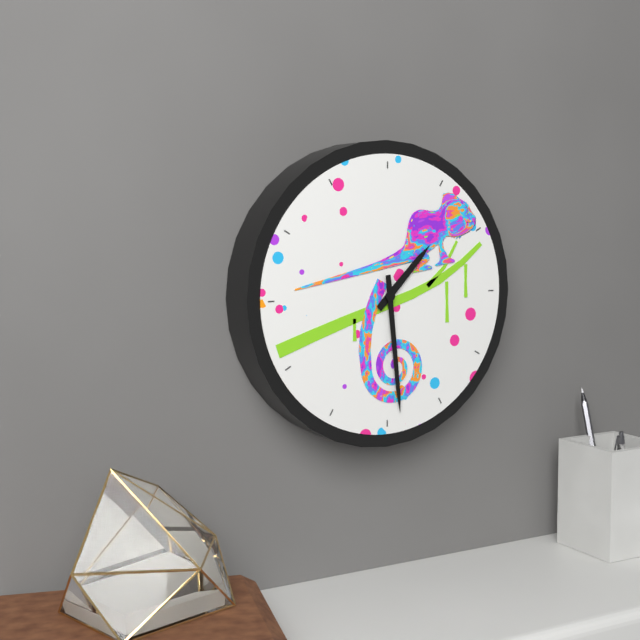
1,29
